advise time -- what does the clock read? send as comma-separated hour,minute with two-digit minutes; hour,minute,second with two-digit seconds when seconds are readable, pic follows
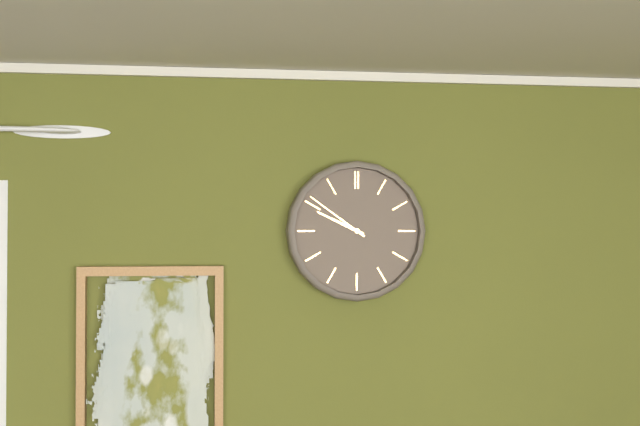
9,51
